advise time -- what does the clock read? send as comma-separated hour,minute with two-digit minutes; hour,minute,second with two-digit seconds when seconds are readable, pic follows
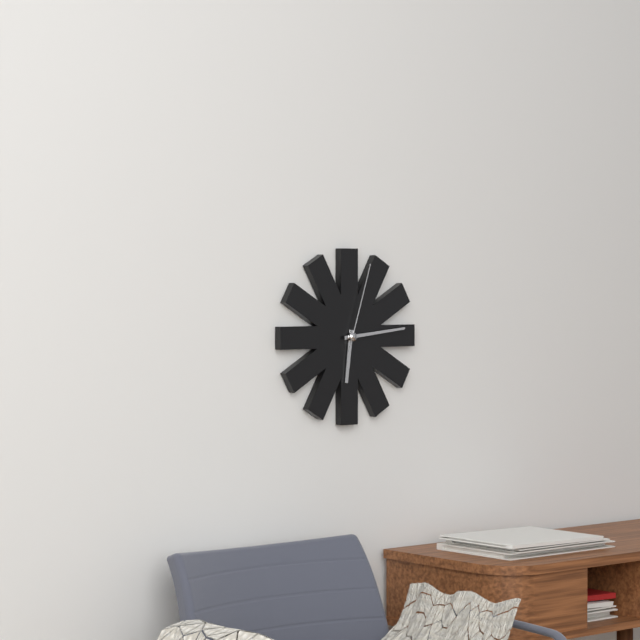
6,14,03
